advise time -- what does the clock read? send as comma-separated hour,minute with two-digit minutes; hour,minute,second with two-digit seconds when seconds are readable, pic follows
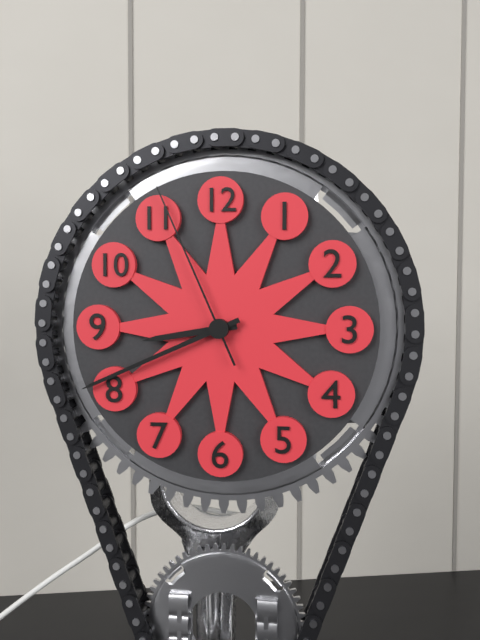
8,41,56
